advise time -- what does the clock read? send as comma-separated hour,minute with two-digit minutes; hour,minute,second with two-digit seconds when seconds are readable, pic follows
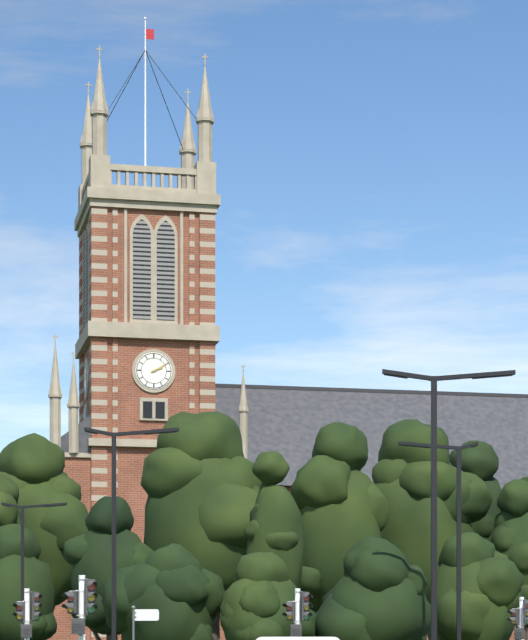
2,10
